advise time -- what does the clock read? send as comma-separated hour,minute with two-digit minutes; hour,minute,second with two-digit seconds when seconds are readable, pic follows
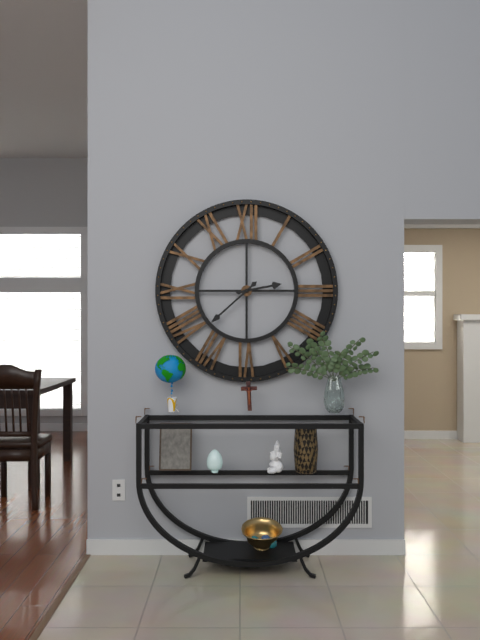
2,38
